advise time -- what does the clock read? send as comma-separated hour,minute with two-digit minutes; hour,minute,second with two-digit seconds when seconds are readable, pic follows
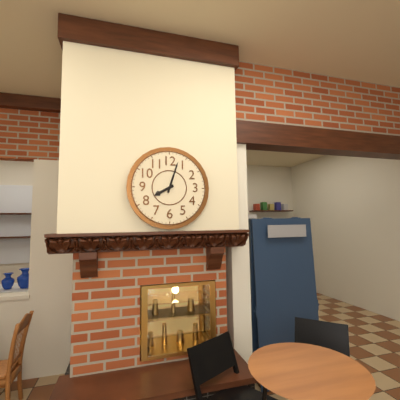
8,03
